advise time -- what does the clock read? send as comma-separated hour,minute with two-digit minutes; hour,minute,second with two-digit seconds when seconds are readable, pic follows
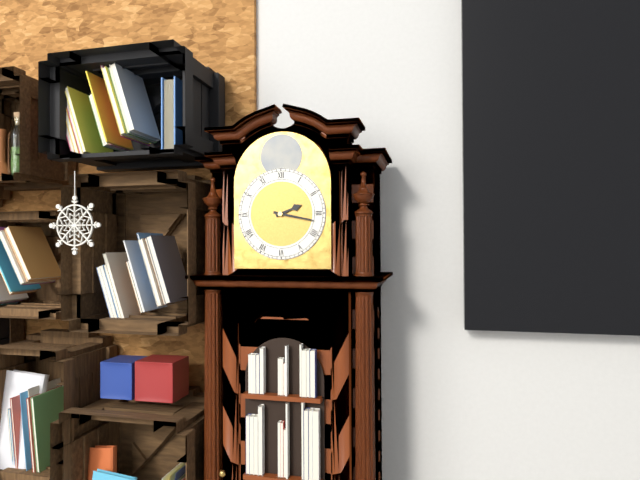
2,17
